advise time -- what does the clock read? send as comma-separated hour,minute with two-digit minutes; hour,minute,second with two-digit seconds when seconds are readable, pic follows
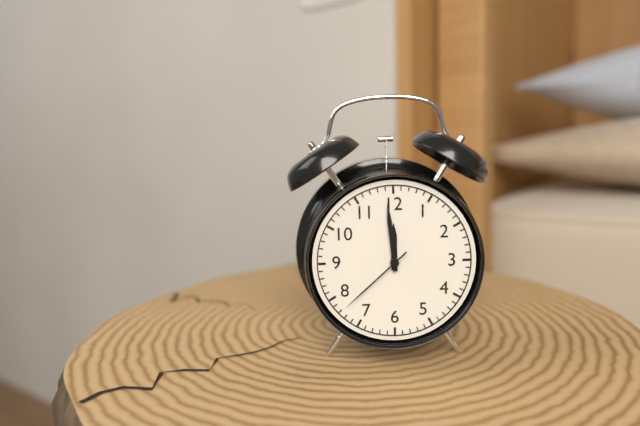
11,59,38
